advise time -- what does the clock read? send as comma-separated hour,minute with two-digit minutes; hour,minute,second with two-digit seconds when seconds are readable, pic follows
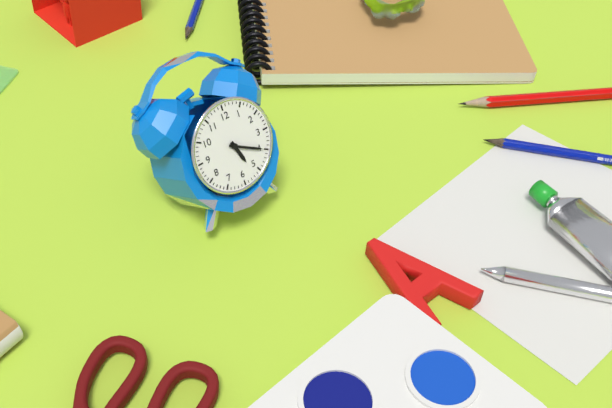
5,20
